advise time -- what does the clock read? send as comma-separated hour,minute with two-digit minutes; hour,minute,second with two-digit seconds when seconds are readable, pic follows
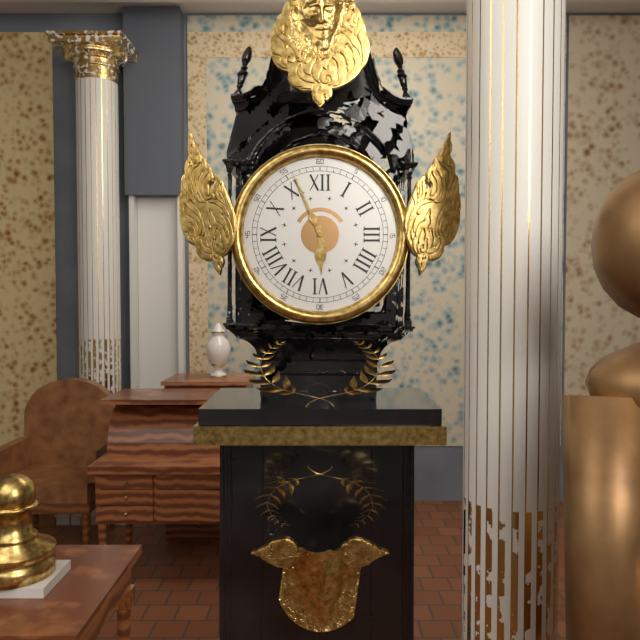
5,56
